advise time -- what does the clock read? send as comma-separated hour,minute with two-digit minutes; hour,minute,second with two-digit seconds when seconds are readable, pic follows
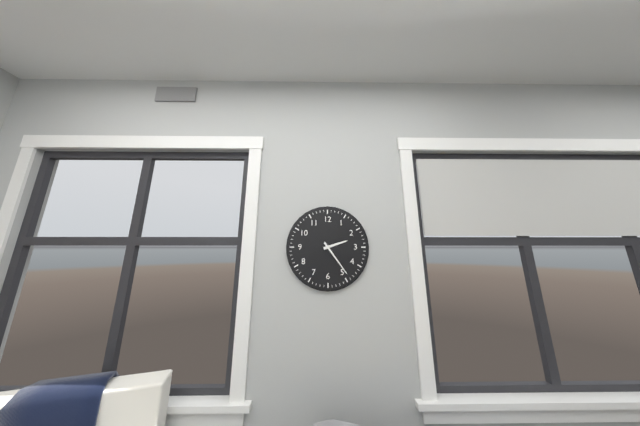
2,24
